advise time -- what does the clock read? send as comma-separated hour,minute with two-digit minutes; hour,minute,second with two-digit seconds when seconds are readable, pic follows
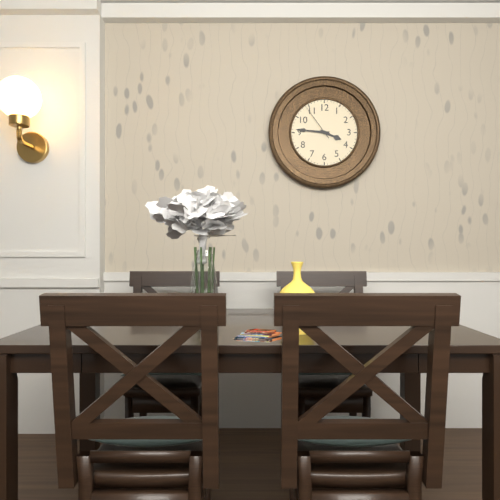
3,46
